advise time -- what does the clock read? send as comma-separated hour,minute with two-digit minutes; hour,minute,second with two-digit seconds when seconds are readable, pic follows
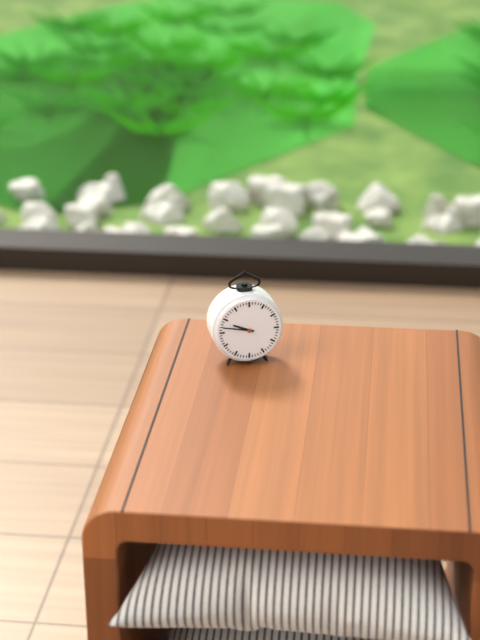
9,47
